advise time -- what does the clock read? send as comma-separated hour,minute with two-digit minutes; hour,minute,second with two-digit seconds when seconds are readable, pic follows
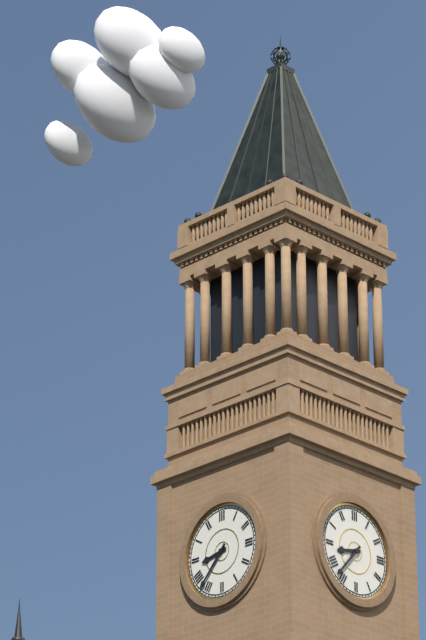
8,37
